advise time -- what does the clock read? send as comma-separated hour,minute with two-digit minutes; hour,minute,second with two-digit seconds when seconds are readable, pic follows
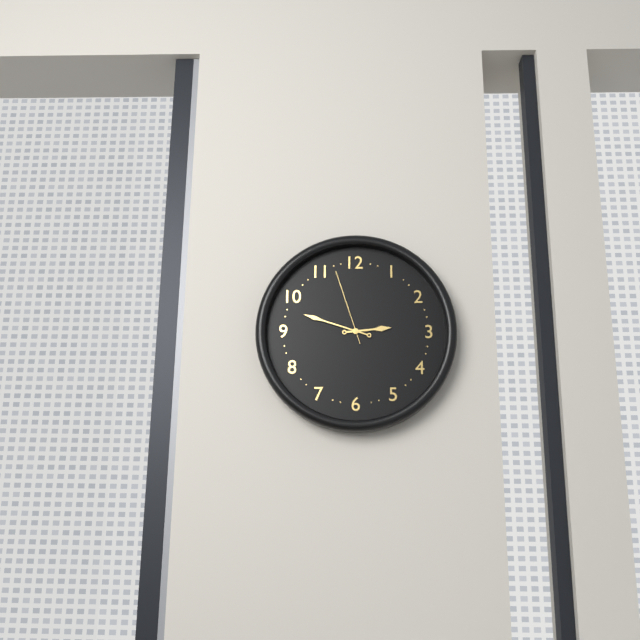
2,48,57
